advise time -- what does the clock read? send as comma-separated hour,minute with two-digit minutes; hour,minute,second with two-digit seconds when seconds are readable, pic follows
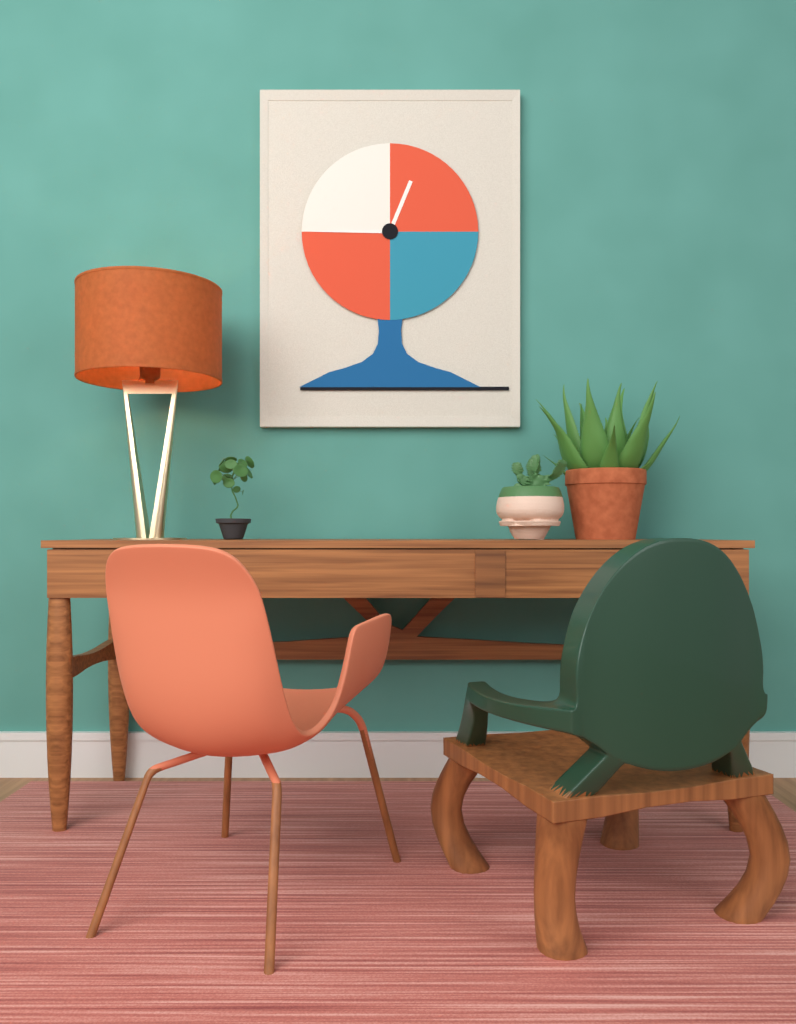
12,45
